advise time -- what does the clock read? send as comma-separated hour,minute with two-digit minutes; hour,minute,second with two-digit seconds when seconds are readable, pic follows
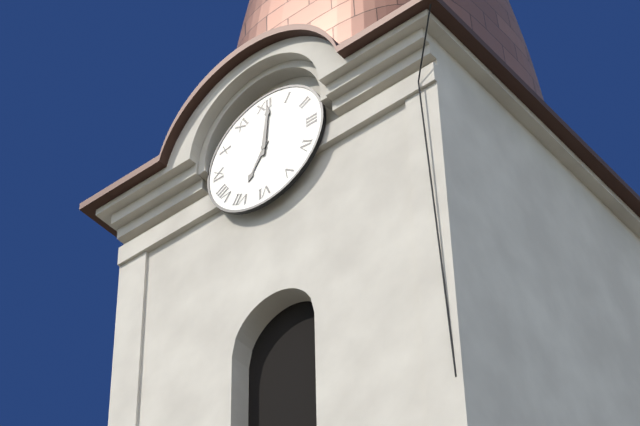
7,01
